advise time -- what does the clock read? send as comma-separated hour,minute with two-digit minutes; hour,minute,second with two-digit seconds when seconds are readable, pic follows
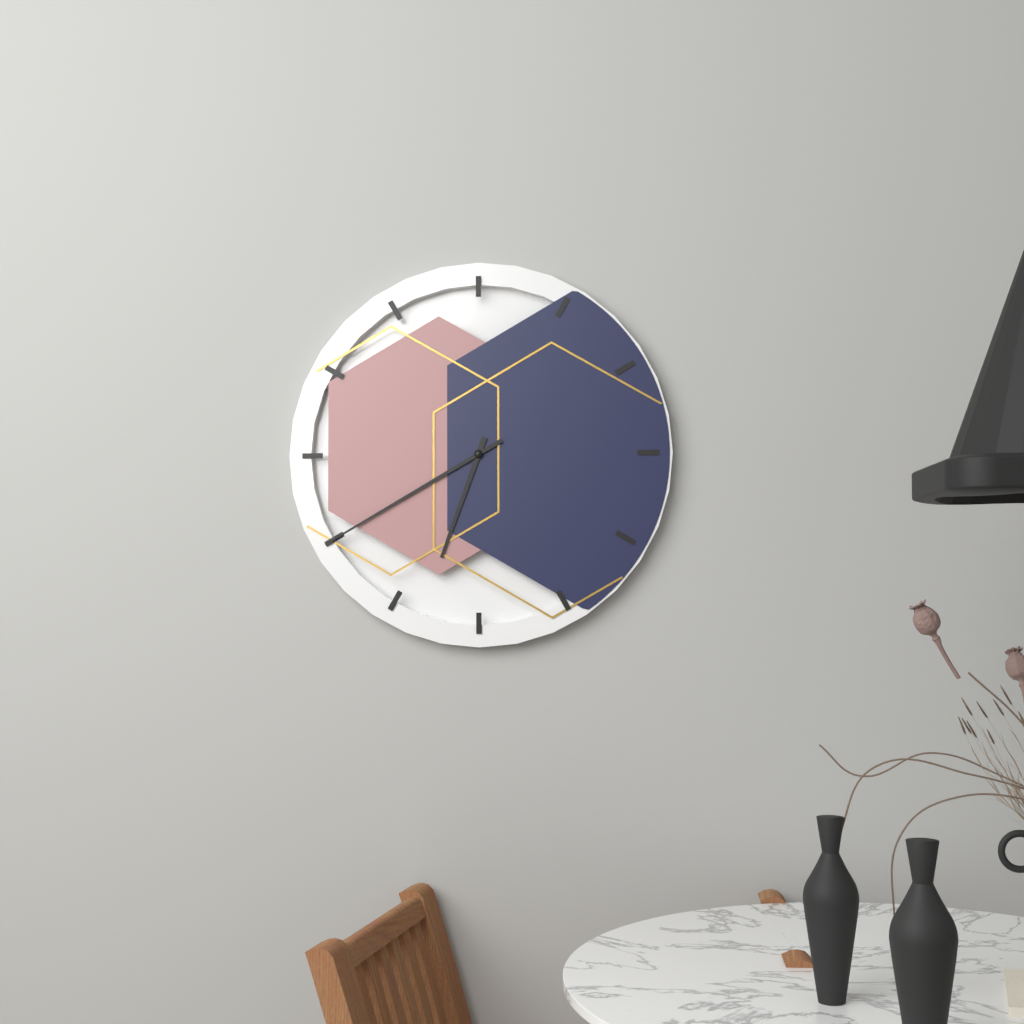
6,40
